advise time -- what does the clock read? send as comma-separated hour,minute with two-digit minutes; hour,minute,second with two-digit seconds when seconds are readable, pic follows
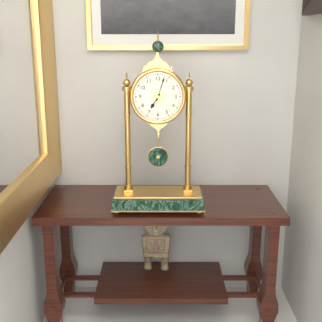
7,03
